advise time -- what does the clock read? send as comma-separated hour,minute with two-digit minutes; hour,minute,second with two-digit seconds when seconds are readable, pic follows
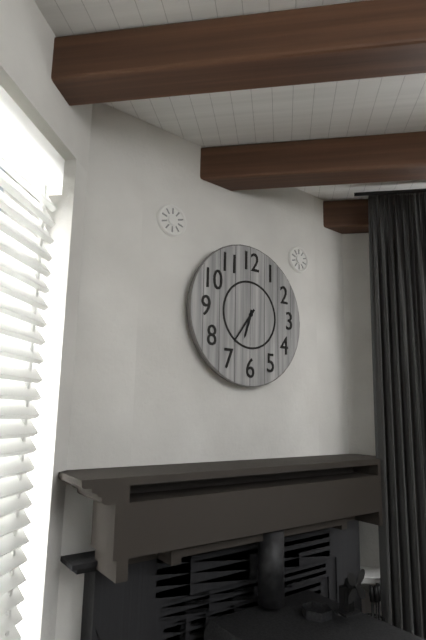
6,36
